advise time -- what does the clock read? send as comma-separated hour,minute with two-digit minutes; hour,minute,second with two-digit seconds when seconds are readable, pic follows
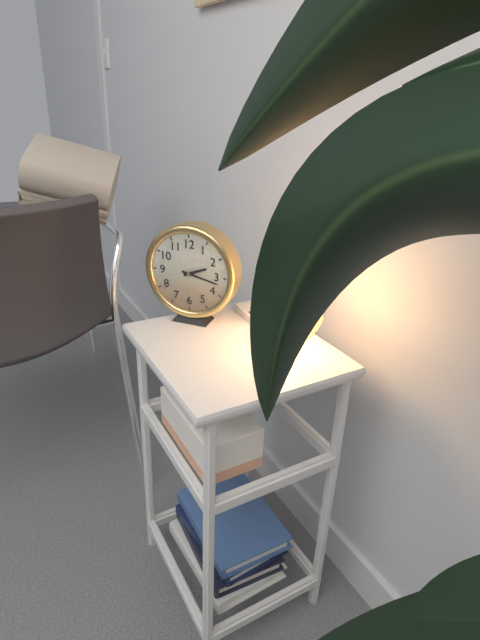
2,17
